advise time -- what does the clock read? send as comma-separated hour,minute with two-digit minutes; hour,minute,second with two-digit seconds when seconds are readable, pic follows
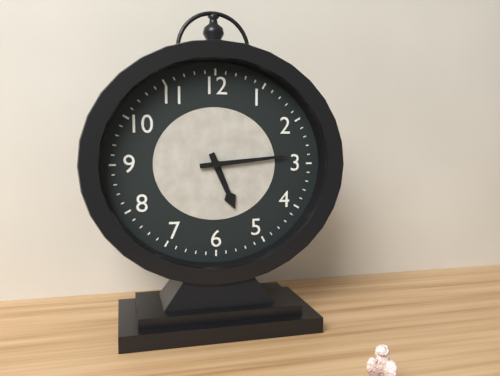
5,14
